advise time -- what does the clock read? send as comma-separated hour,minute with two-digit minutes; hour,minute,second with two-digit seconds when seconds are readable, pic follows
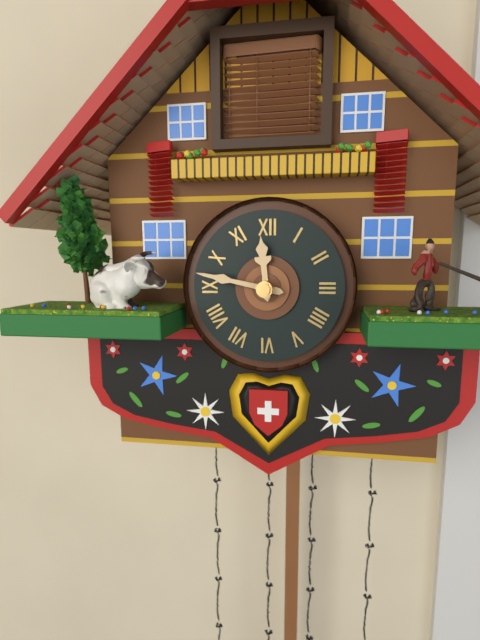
11,47
